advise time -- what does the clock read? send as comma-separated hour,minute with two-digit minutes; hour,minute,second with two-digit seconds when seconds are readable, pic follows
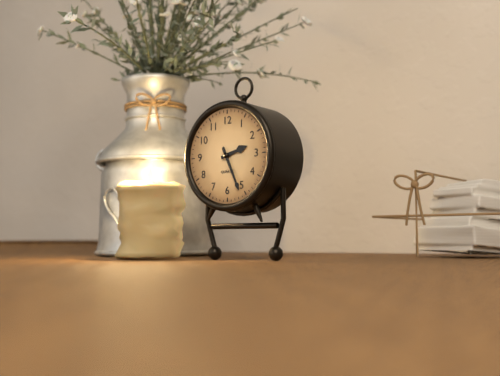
2,26
